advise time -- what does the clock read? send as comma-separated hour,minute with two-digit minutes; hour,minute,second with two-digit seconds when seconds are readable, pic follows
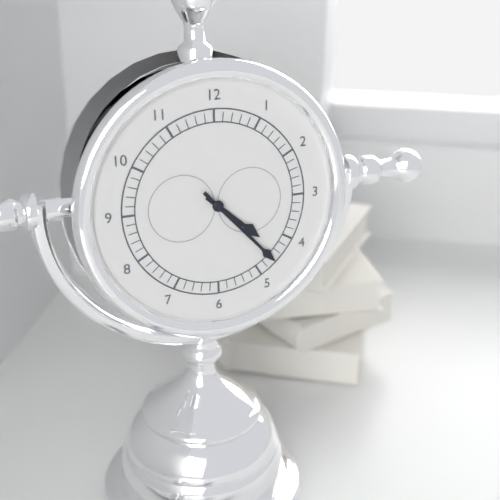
4,23
